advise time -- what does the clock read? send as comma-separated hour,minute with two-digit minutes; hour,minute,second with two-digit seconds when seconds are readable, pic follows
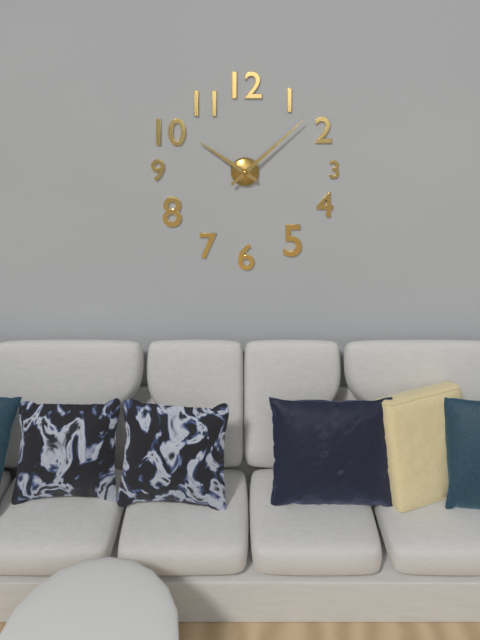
10,08
